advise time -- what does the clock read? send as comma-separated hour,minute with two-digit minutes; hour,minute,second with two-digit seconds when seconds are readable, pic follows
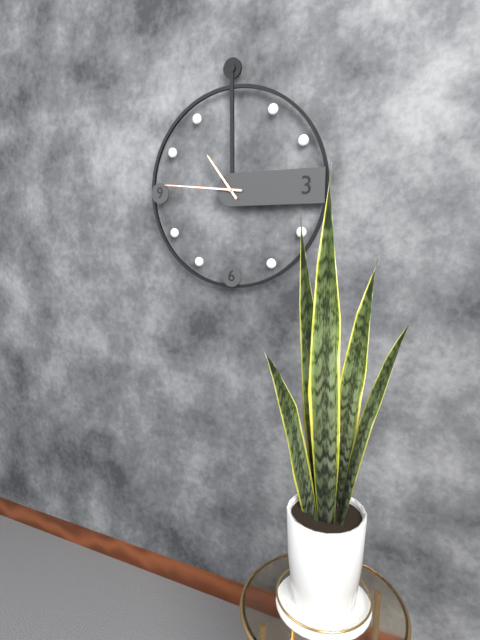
10,46
